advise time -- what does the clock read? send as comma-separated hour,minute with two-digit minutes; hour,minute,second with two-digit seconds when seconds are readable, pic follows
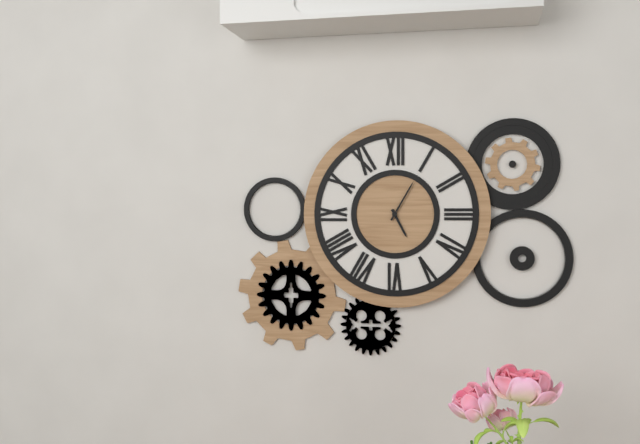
5,05
